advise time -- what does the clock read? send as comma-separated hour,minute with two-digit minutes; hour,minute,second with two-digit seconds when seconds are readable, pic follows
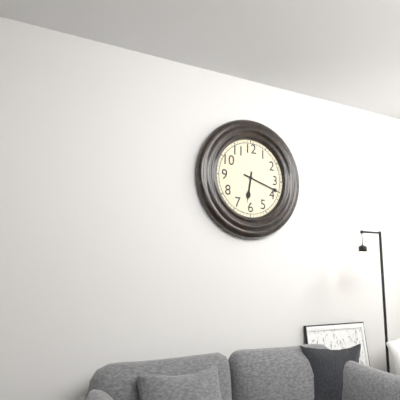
6,18
